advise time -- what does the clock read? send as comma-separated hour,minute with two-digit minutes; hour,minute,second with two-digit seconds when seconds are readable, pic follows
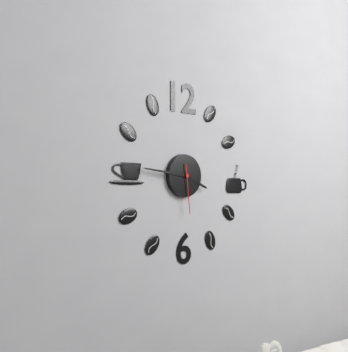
3,46
